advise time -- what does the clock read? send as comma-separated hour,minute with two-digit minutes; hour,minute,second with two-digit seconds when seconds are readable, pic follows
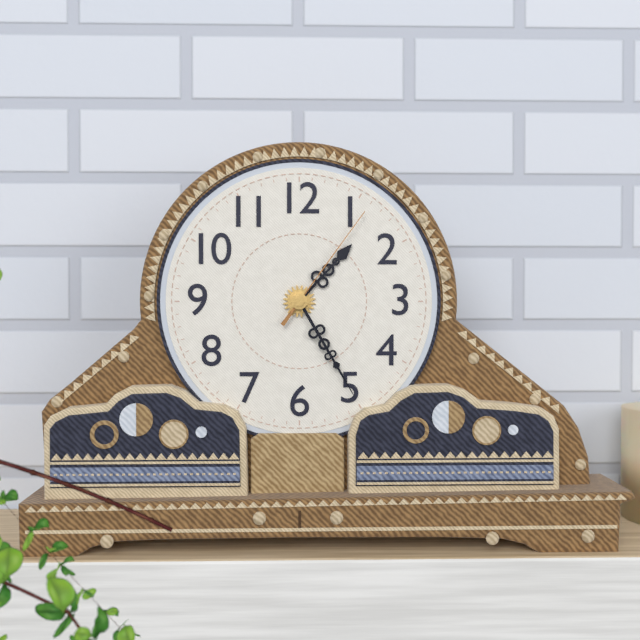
1,25,06
